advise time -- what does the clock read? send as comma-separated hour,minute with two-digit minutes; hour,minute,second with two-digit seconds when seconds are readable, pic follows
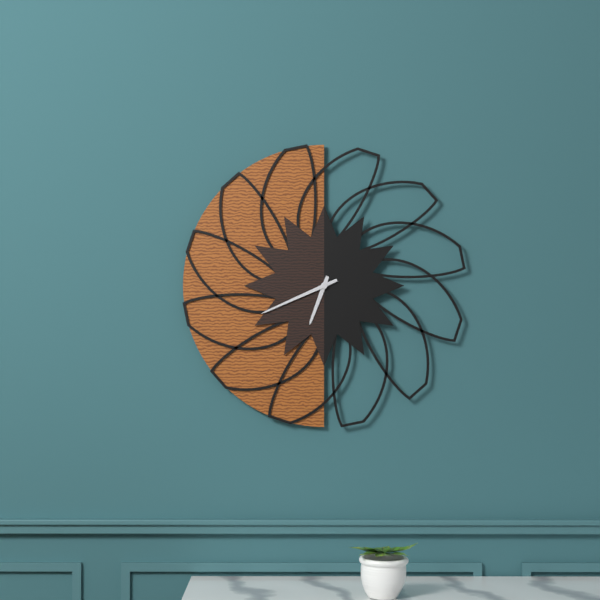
6,41
